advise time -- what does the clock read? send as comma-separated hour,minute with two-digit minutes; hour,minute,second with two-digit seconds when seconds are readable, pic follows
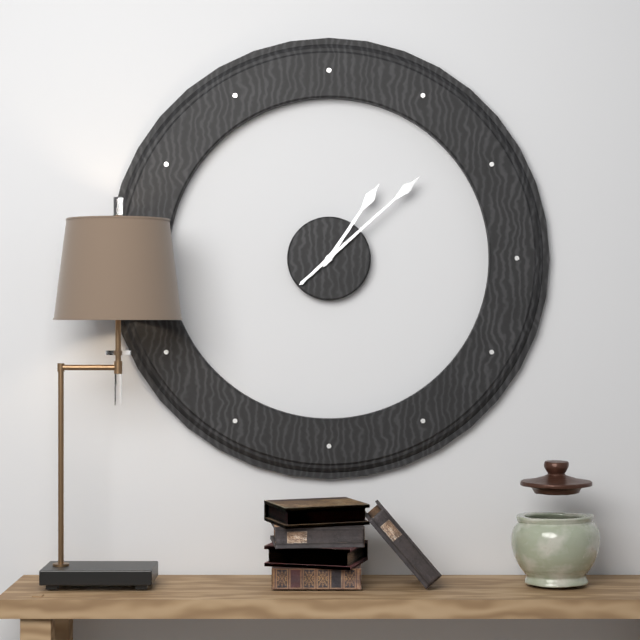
1,08
